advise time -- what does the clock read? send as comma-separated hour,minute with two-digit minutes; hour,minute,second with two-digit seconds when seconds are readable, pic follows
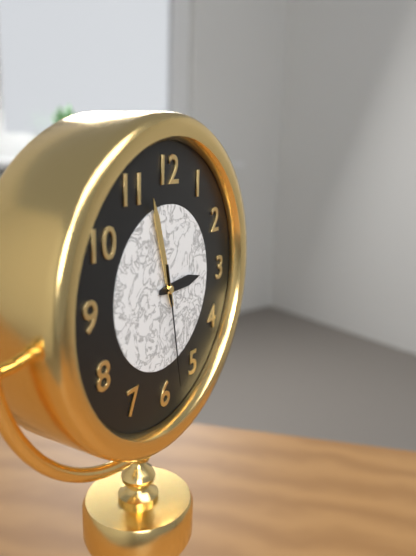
2,57,28
